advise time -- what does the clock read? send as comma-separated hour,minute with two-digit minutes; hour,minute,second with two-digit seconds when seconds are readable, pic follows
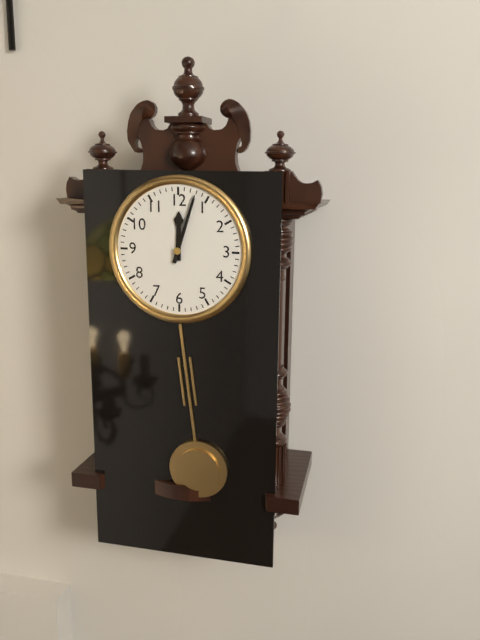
12,03
